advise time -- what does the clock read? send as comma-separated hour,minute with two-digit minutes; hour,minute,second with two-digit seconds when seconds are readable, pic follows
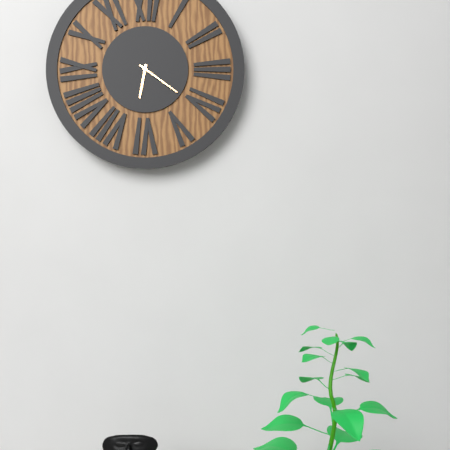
6,21
